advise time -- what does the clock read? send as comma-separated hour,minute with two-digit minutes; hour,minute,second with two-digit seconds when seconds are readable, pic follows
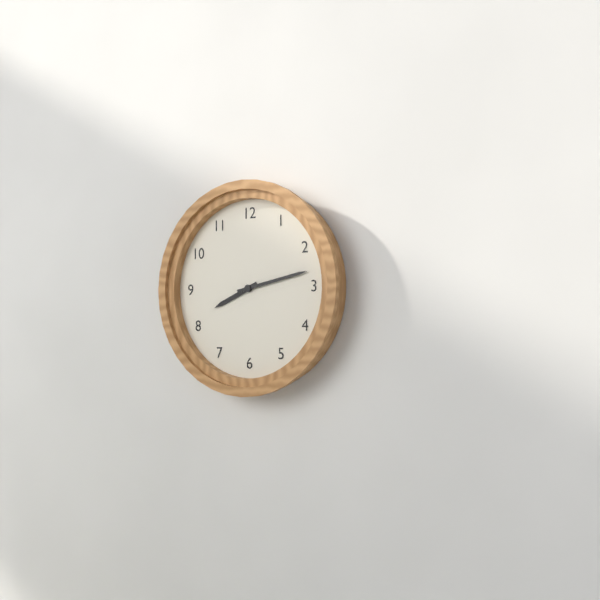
8,13
